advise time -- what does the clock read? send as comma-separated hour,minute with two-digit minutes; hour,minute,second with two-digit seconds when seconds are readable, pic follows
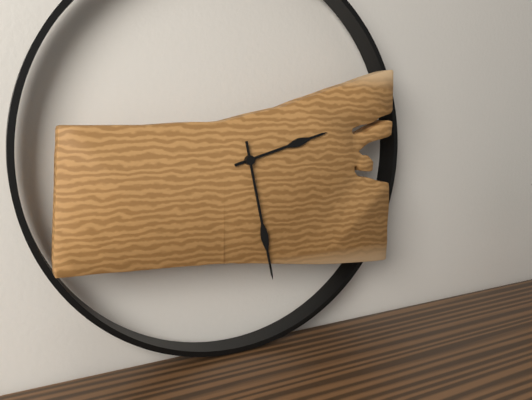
2,28
